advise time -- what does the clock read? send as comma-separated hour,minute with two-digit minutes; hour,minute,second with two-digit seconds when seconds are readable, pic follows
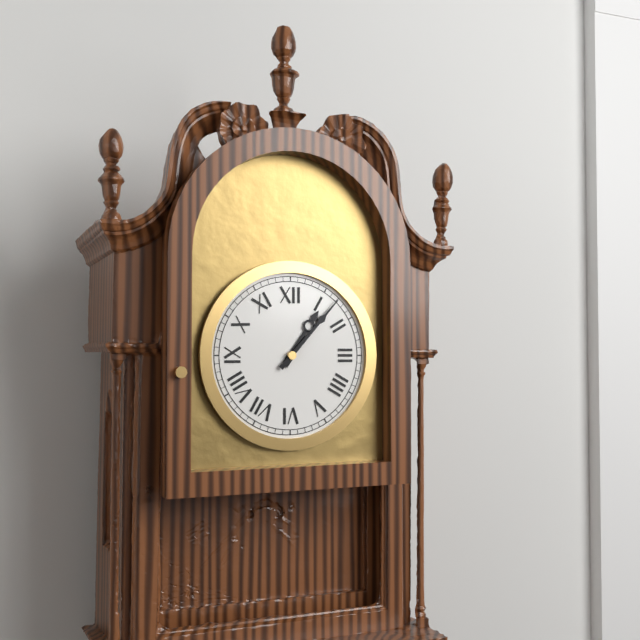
1,07
